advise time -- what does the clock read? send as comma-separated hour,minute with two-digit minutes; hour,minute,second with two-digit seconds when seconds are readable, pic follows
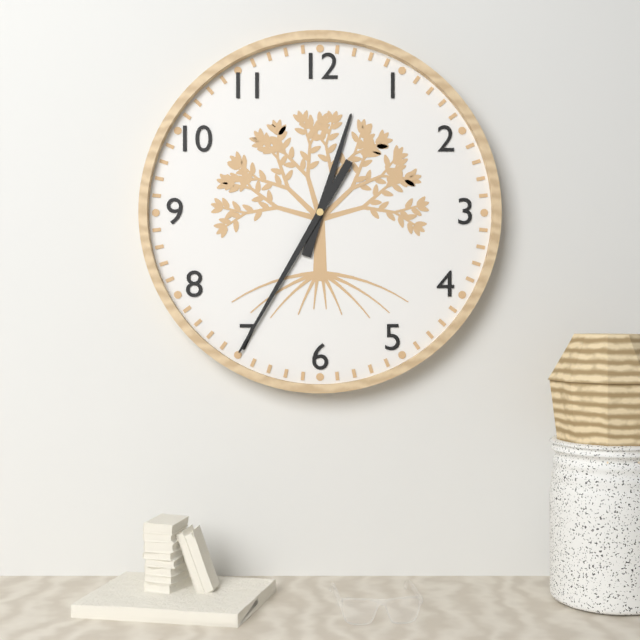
12,35
